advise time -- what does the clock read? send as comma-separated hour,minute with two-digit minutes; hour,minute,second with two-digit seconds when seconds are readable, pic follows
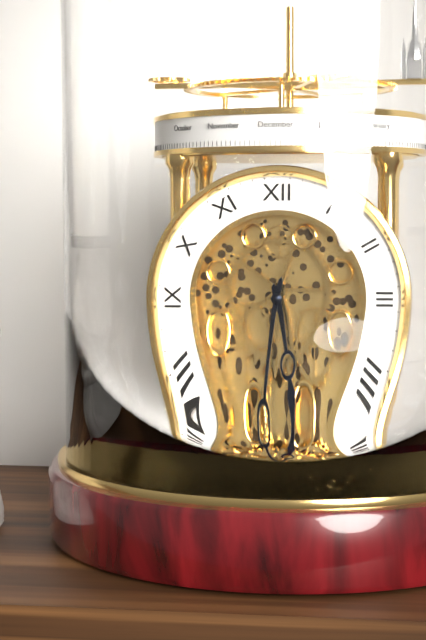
5,32
